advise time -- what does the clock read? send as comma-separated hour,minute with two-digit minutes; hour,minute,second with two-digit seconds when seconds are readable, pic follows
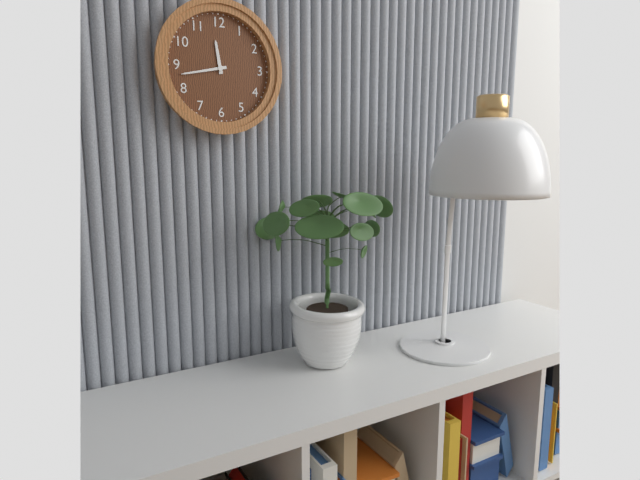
11,43
